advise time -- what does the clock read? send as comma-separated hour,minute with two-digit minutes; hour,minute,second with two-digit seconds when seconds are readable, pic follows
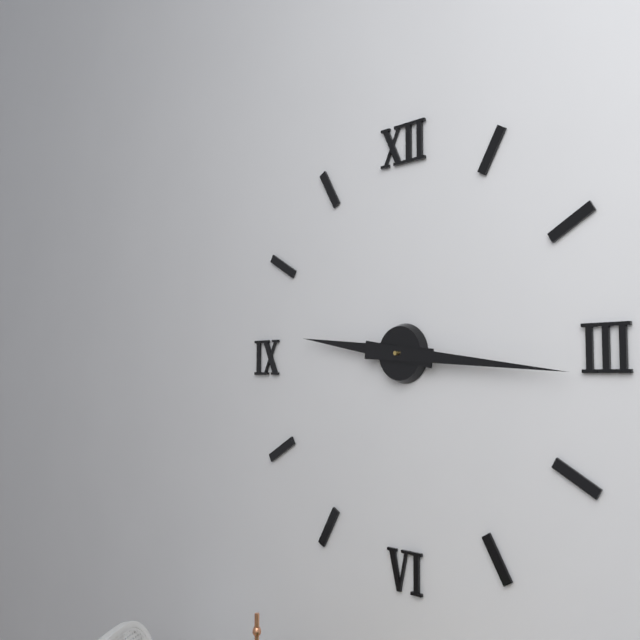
9,16
